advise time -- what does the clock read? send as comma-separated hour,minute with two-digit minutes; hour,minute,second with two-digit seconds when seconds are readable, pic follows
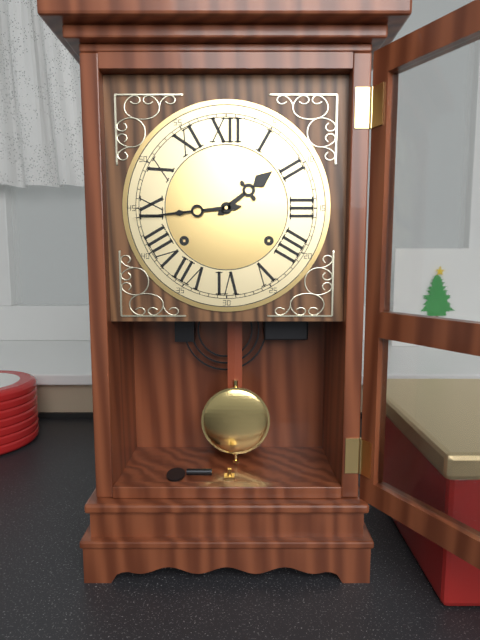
1,44
